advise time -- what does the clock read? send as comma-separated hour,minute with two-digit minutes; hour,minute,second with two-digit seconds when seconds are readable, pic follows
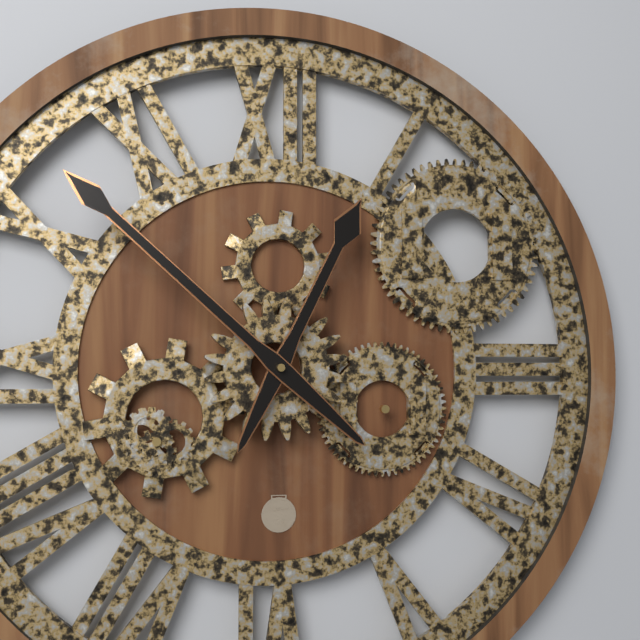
12,52
